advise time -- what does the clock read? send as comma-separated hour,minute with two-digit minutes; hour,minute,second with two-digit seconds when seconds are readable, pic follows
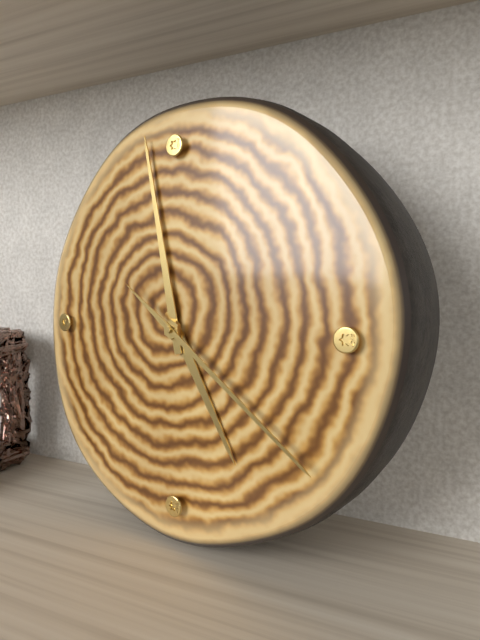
4,58,21
